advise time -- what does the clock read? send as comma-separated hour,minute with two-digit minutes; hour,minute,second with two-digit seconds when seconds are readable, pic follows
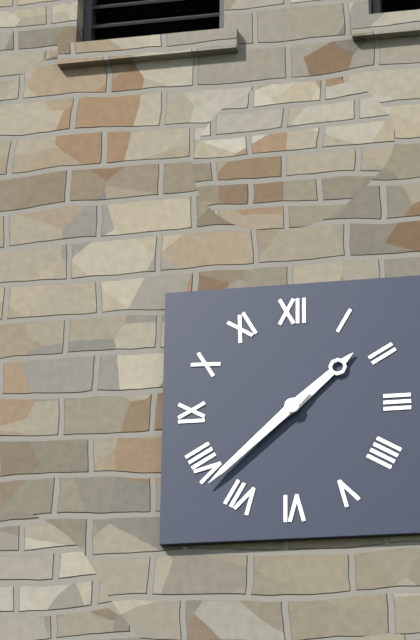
1,38
